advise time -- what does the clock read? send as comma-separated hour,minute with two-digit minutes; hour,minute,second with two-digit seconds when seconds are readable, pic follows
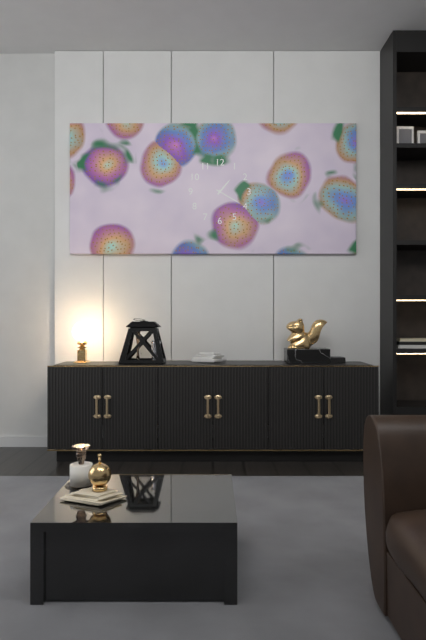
1,20
